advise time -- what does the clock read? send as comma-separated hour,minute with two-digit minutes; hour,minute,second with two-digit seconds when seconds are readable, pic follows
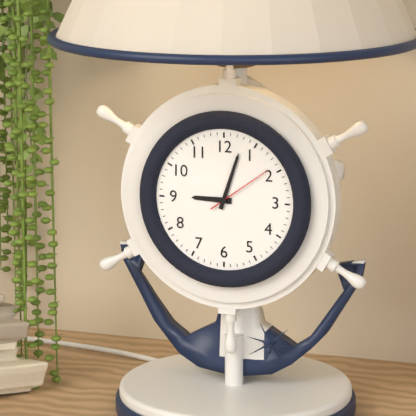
9,03,09
